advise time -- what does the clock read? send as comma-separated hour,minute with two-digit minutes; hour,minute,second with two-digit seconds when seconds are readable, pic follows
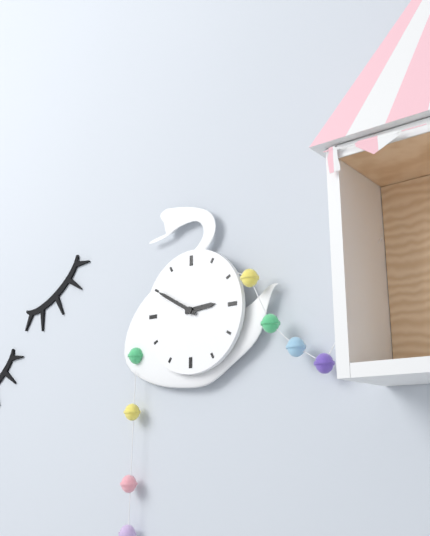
2,50
